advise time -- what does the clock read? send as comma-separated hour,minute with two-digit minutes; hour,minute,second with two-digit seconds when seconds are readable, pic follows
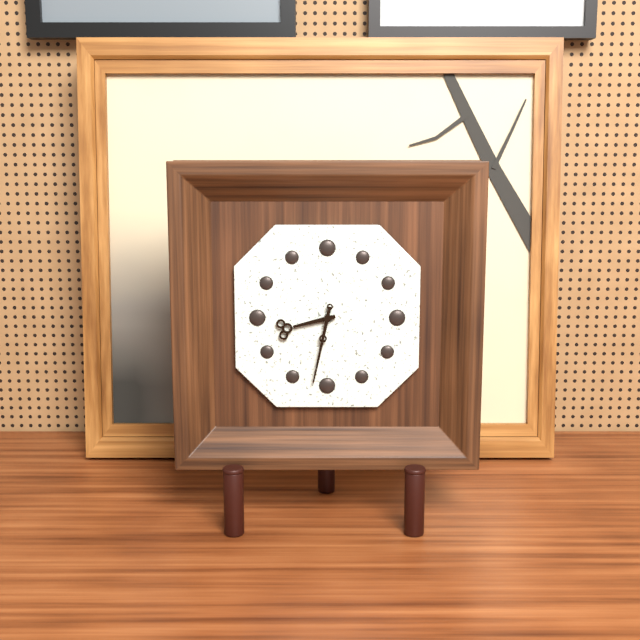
8,32
